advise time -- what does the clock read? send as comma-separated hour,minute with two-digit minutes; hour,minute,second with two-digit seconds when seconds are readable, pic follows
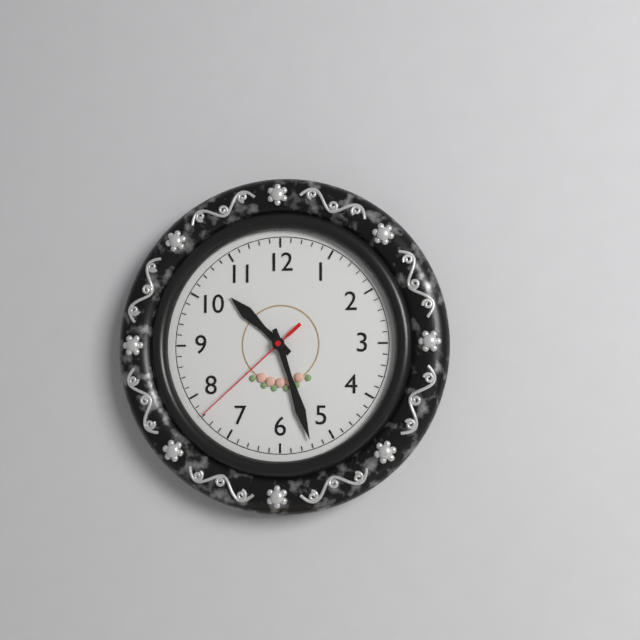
10,27,38
